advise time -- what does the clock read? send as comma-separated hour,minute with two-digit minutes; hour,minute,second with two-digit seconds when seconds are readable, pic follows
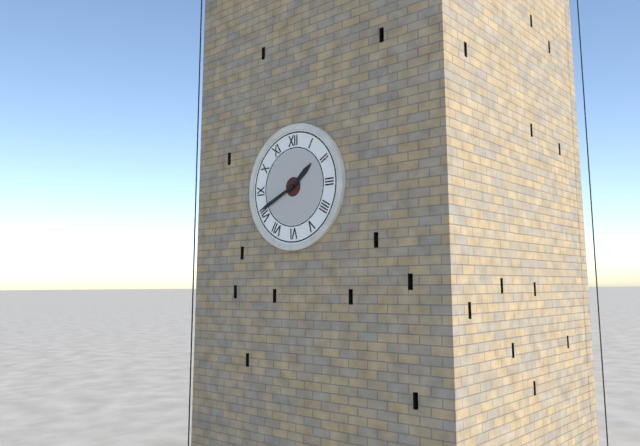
1,41
